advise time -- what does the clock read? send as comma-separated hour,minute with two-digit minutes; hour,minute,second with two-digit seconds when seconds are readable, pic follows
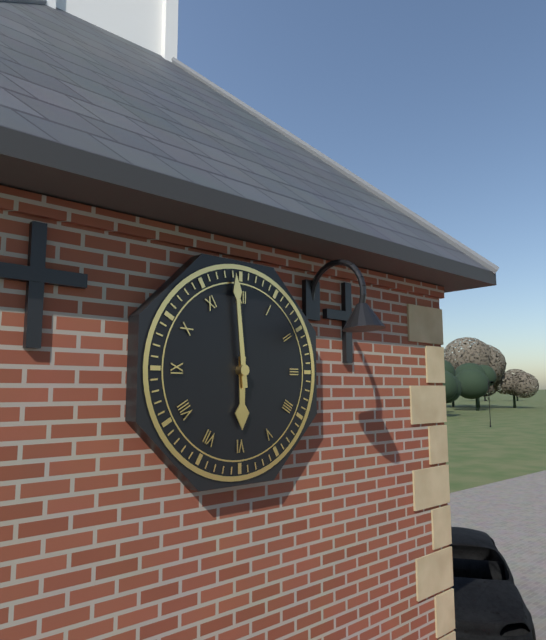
5,59
